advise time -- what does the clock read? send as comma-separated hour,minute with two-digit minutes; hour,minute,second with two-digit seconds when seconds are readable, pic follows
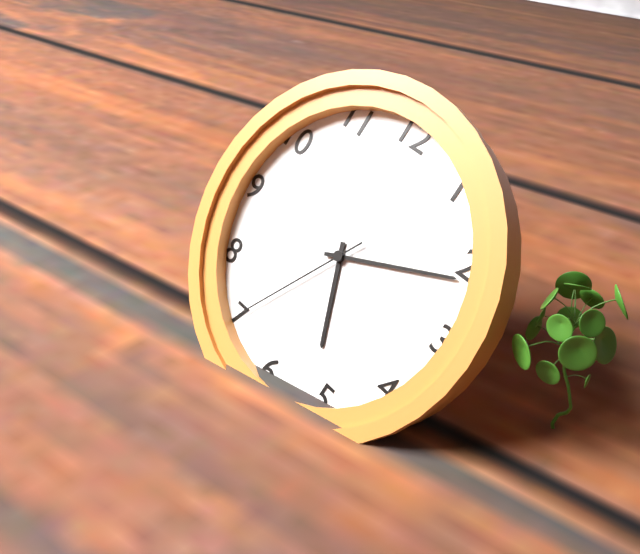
5,11,35
